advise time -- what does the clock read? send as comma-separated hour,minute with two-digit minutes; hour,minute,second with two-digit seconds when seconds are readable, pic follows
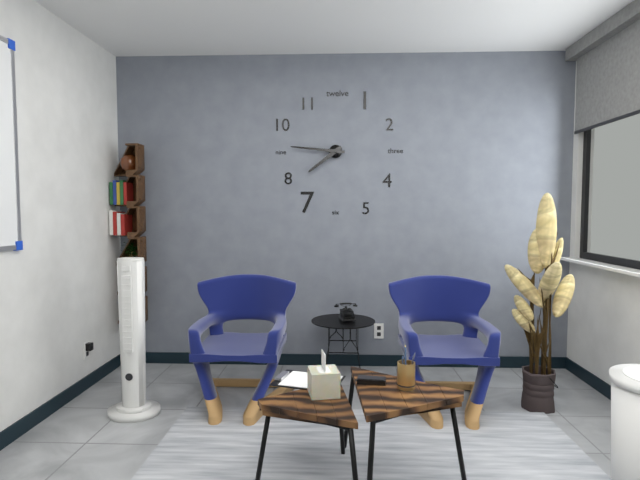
7,46
